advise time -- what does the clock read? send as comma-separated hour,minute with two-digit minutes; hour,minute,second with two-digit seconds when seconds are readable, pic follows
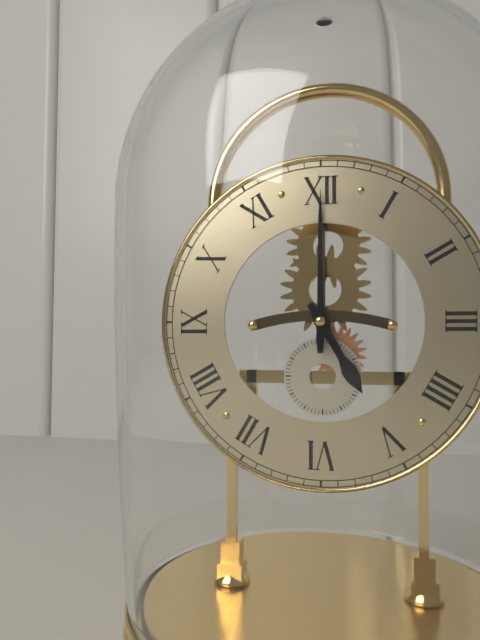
5,00
